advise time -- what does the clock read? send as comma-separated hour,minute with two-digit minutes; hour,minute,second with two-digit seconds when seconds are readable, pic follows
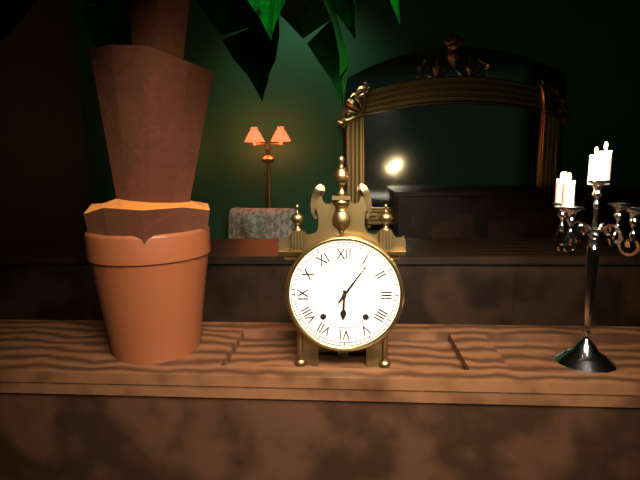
6,06
